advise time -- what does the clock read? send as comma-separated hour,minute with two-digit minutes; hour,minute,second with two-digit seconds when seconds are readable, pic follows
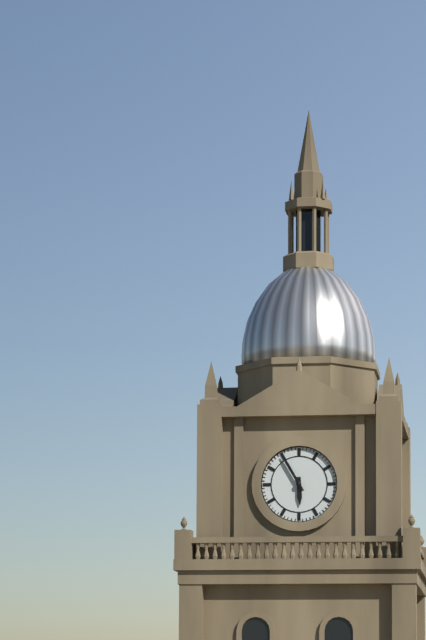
5,55
